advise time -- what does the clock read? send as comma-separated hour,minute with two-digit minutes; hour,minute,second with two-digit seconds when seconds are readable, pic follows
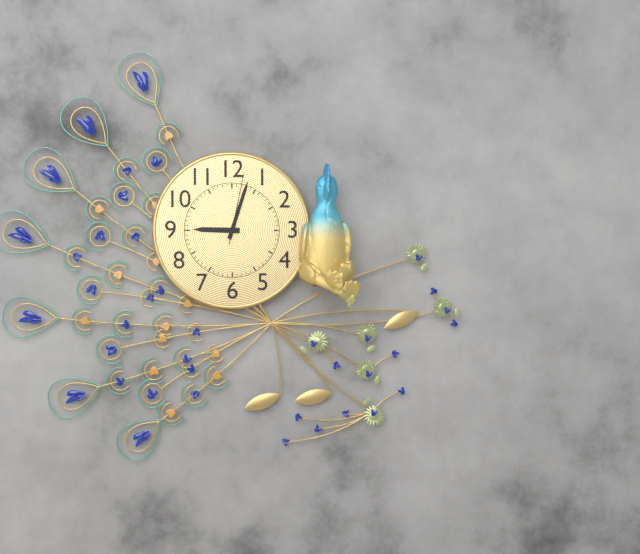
9,03,02
